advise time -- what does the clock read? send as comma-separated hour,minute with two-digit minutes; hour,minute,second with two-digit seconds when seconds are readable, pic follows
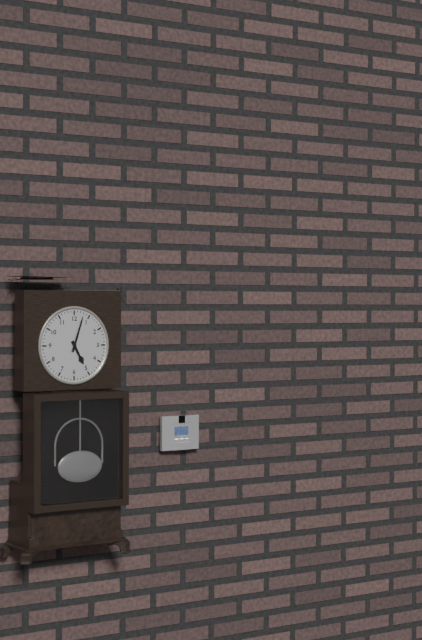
5,03
